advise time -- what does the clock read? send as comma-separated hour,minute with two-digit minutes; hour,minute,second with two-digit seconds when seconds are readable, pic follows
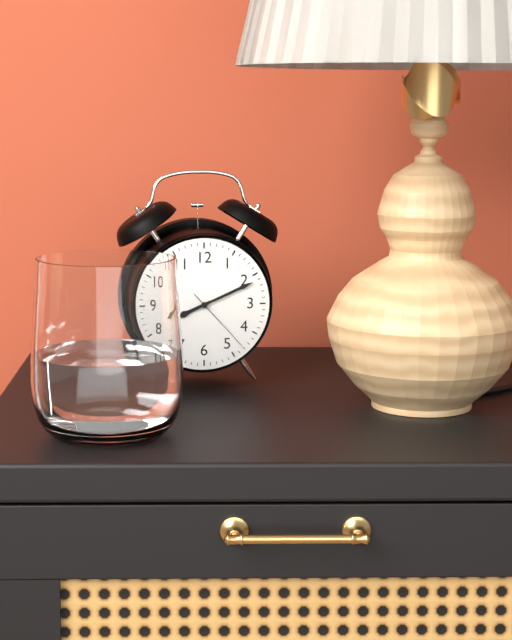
8,11,23
